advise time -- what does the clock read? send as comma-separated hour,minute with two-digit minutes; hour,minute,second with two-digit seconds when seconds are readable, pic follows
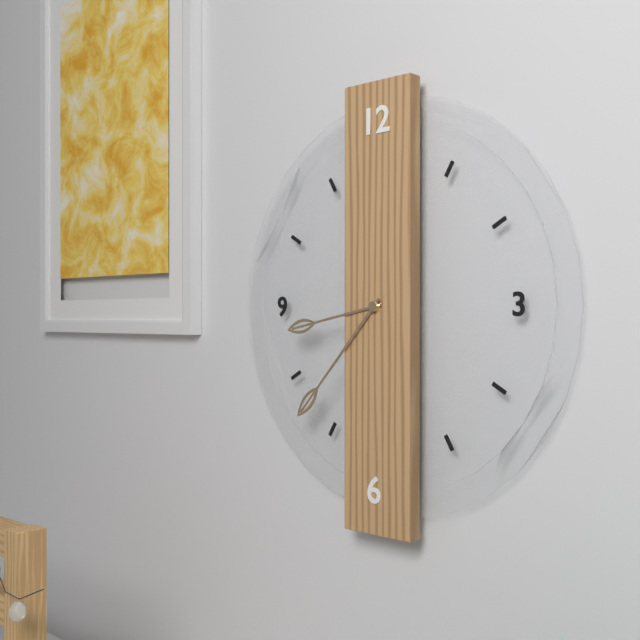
8,37
